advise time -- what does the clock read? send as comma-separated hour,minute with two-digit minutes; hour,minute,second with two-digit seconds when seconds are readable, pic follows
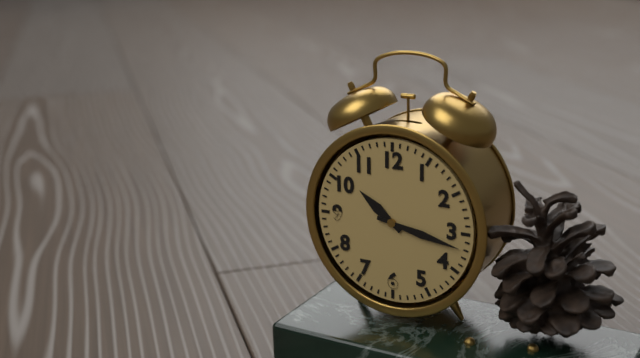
10,17
